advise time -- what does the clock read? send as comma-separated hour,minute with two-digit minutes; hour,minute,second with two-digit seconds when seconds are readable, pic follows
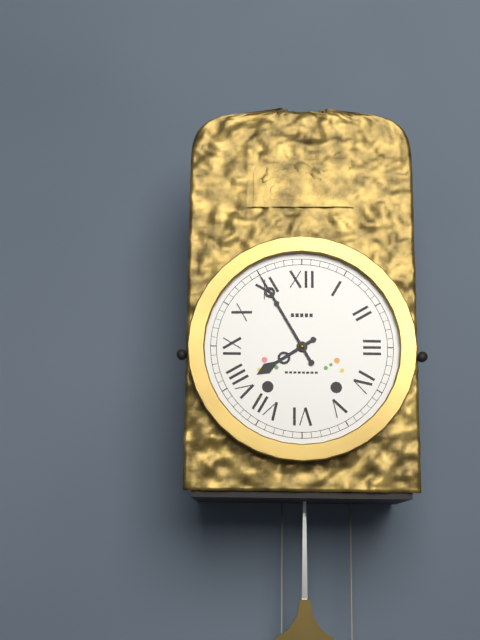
7,55
